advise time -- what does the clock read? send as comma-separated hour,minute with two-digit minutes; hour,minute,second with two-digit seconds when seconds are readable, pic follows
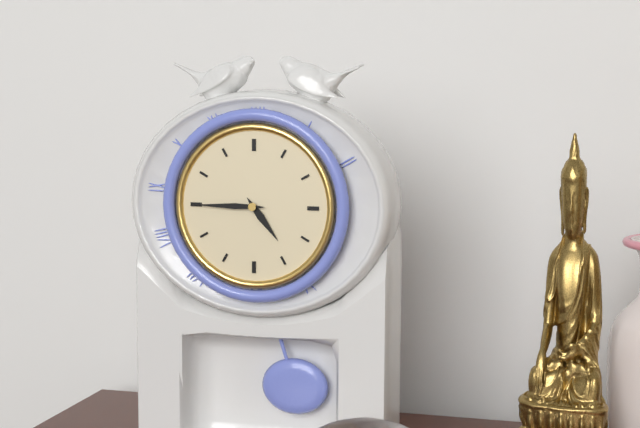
4,45
